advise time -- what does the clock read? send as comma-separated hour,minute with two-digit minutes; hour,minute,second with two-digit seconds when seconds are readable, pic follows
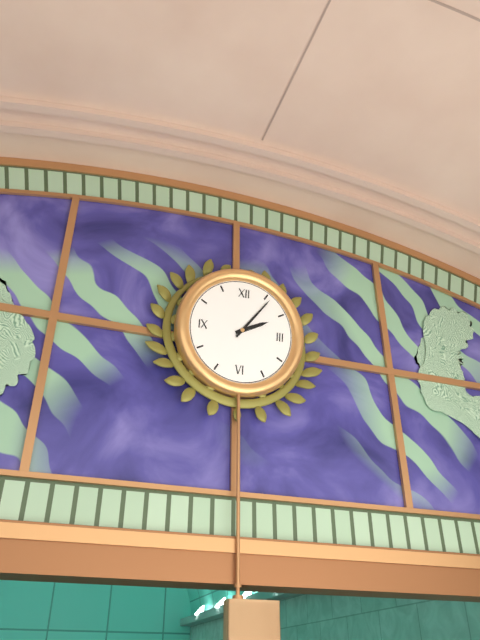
2,06
